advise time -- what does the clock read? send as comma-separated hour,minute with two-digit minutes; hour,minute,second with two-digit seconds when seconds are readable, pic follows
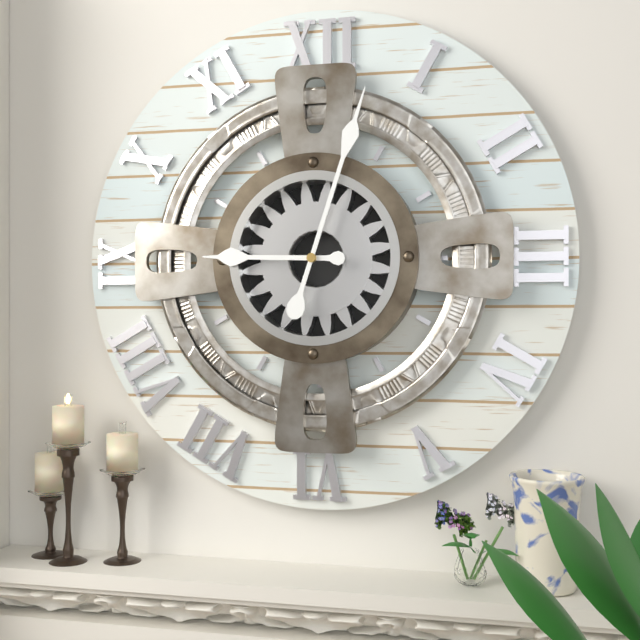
9,03
